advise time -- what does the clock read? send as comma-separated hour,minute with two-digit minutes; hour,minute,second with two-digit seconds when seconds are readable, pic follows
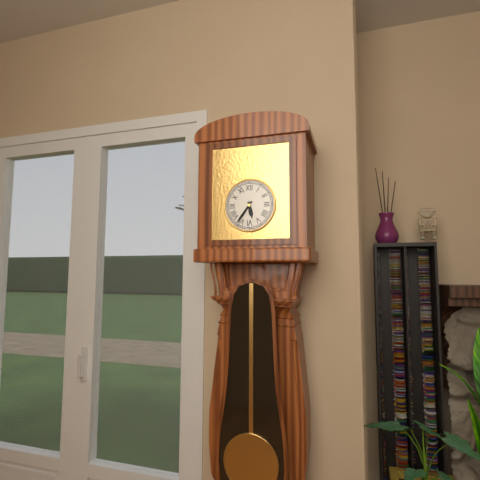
5,36
